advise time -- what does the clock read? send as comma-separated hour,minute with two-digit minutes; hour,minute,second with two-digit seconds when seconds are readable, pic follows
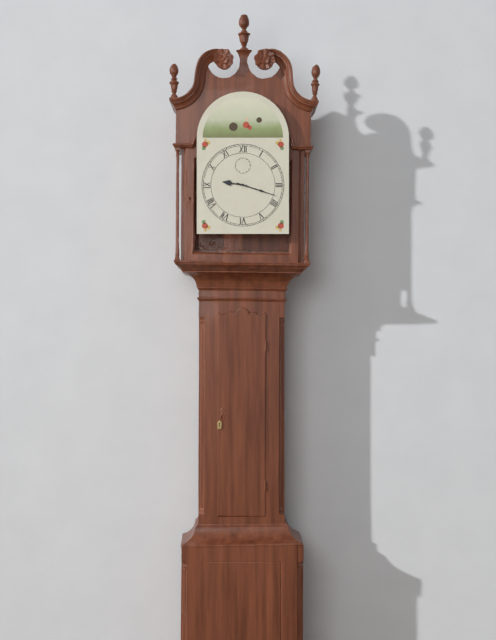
9,18
